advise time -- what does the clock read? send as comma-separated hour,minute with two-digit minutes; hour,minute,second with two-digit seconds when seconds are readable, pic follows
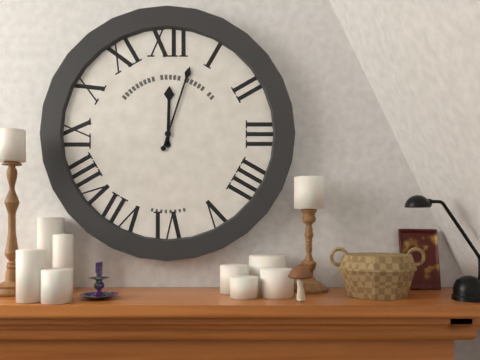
12,03
